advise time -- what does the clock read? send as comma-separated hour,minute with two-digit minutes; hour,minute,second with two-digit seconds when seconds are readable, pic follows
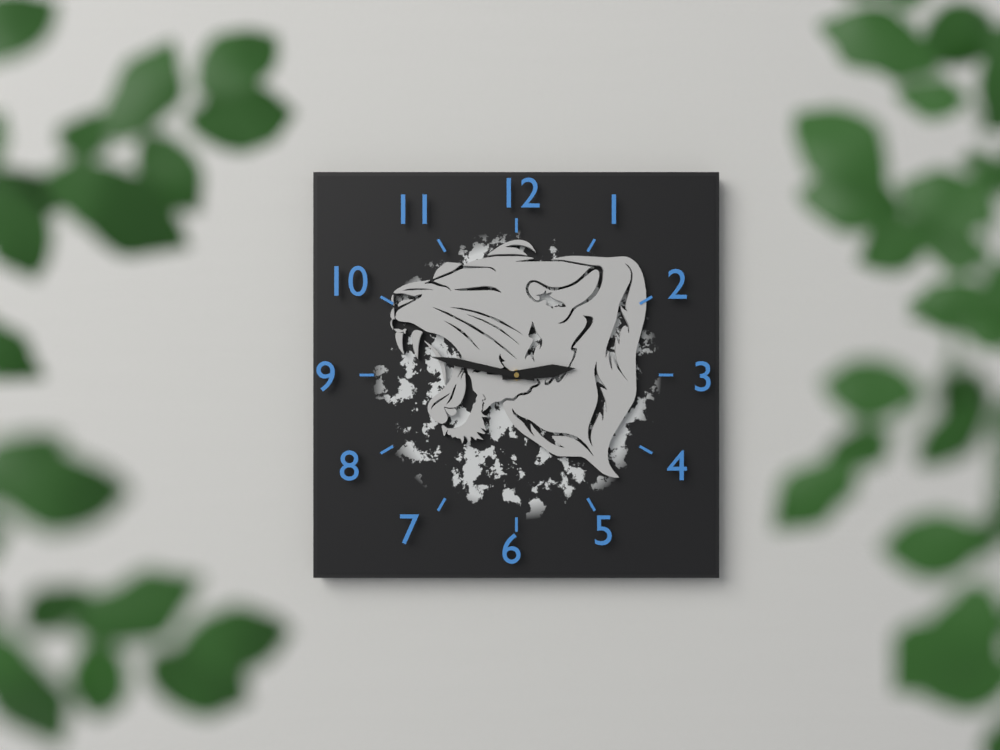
2,47
